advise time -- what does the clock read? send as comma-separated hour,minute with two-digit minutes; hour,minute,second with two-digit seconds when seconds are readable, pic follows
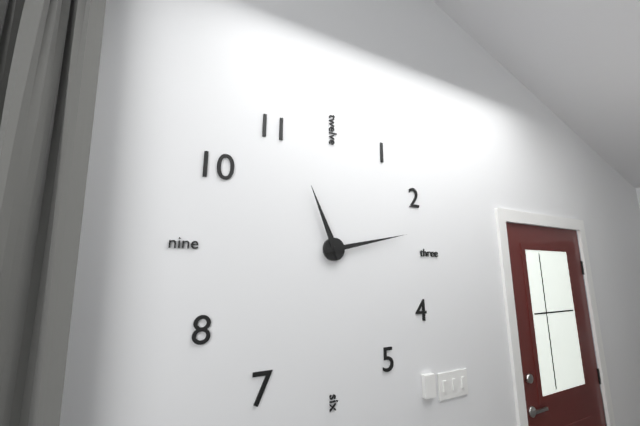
11,13
